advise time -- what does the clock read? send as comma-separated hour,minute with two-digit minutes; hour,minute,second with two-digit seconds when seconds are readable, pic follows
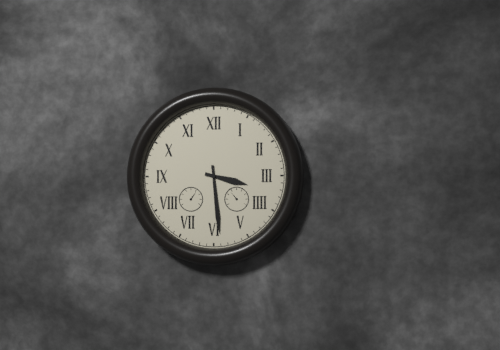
3,29
